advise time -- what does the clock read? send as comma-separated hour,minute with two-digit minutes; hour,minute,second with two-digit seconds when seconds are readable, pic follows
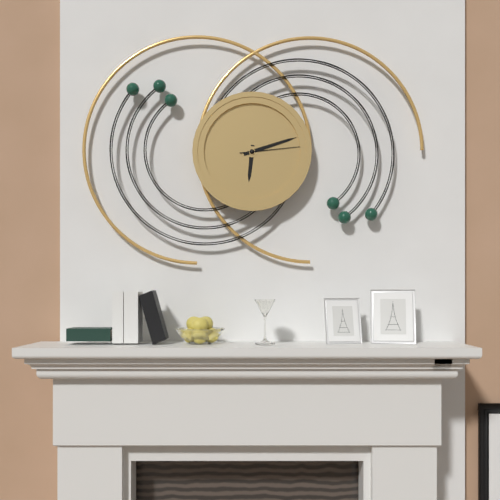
6,12,14
